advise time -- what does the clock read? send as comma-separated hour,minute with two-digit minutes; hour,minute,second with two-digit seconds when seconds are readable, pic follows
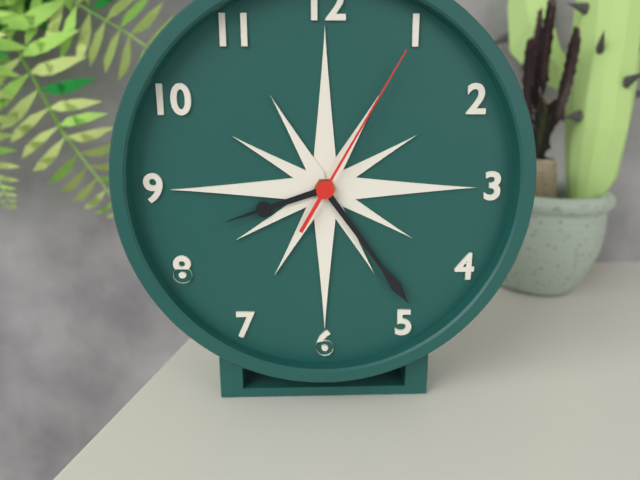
8,24,05
